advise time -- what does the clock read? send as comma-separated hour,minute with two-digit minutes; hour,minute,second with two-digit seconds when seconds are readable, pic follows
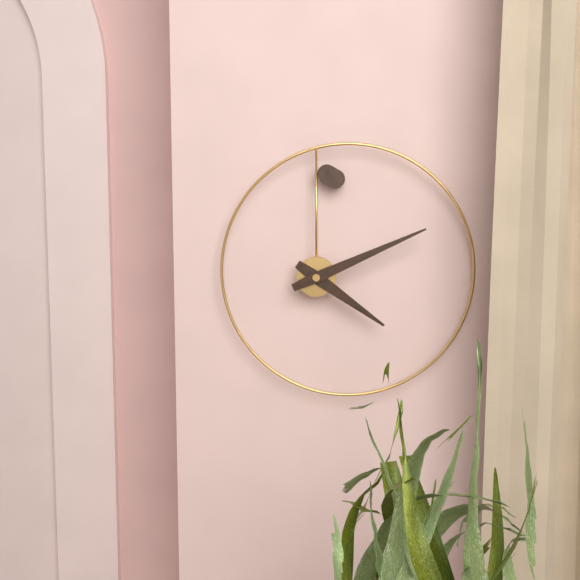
4,11
